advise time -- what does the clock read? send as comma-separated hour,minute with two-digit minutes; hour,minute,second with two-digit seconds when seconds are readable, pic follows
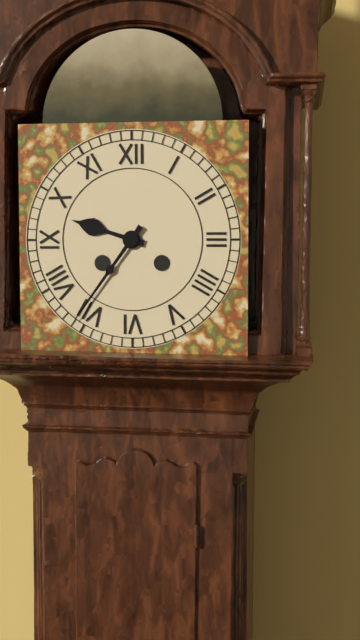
9,36
